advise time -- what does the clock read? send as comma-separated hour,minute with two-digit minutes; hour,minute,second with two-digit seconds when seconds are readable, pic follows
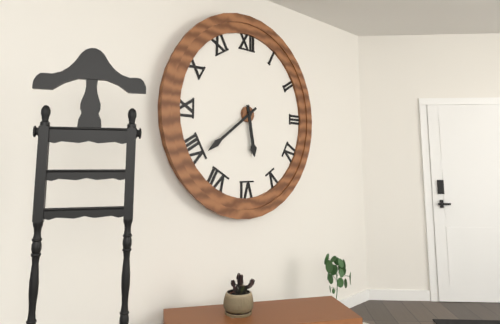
5,39
